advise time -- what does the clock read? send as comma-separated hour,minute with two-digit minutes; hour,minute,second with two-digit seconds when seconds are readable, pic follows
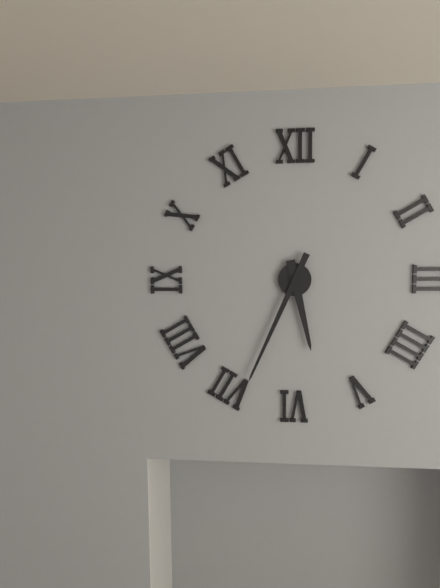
5,34
